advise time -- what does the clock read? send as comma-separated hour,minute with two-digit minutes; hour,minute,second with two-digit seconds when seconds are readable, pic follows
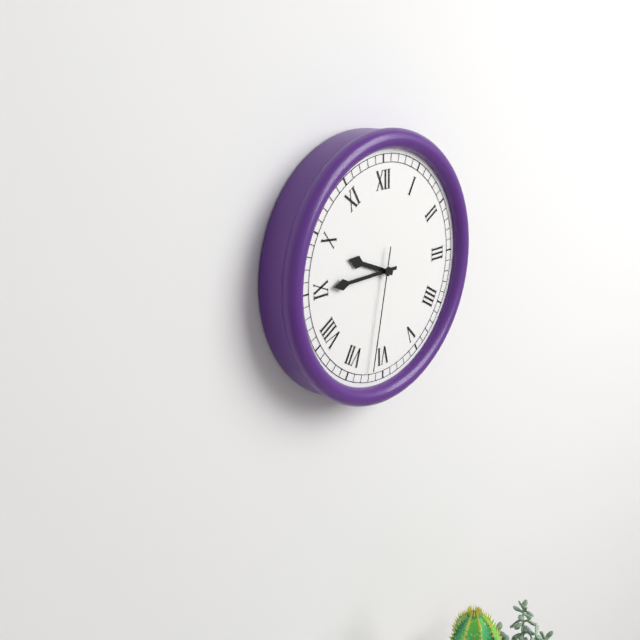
9,45,32
